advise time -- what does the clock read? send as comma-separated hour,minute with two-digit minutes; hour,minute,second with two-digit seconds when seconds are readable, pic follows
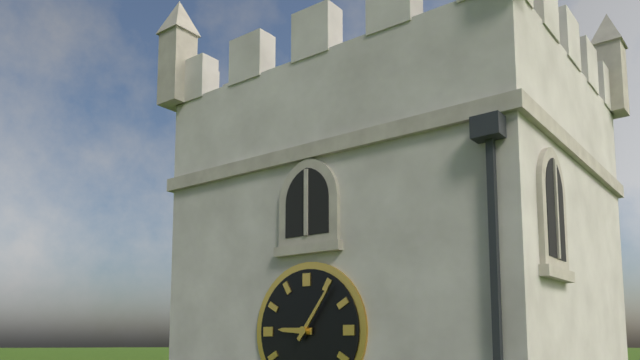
9,06
